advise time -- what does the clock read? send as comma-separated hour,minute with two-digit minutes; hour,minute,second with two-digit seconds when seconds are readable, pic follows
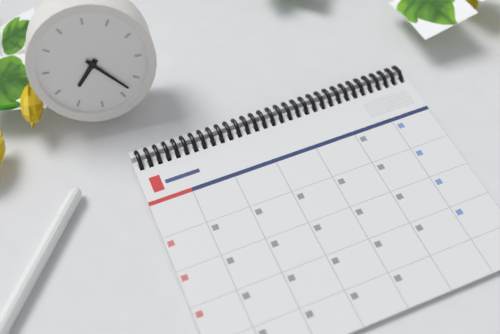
7,23
